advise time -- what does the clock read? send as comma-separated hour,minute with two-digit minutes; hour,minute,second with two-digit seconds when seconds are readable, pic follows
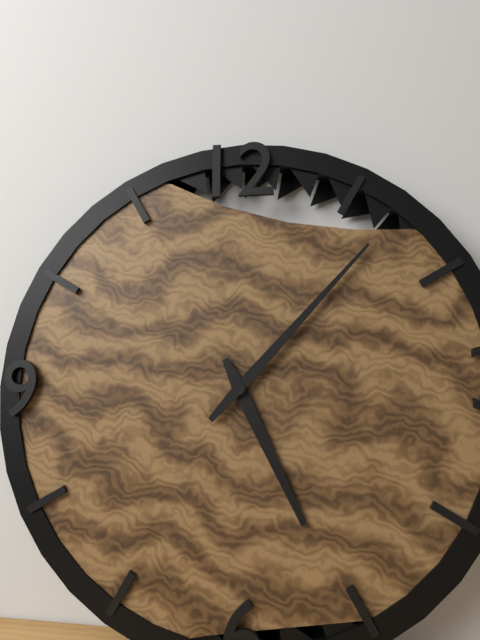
5,07
